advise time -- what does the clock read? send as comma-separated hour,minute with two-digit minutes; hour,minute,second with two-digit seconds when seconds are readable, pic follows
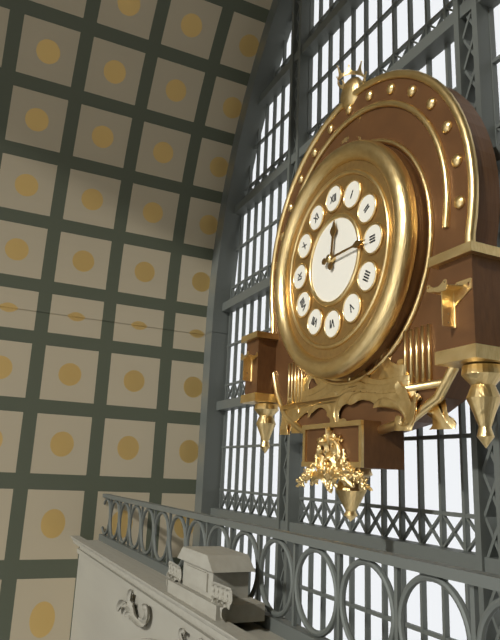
12,15
